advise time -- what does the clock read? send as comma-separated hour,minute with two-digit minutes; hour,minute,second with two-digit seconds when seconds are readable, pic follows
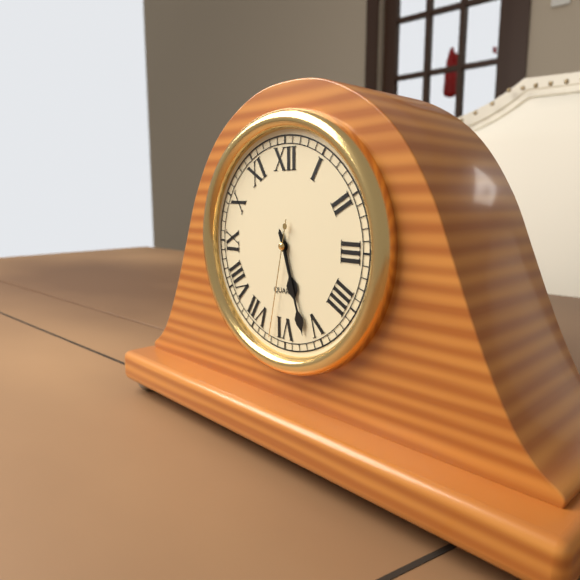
5,27,32
